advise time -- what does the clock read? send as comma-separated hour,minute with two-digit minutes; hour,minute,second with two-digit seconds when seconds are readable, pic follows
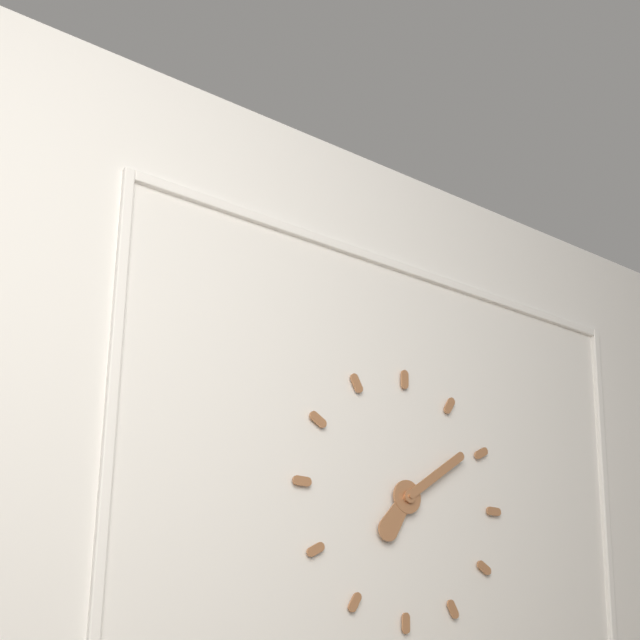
7,09
